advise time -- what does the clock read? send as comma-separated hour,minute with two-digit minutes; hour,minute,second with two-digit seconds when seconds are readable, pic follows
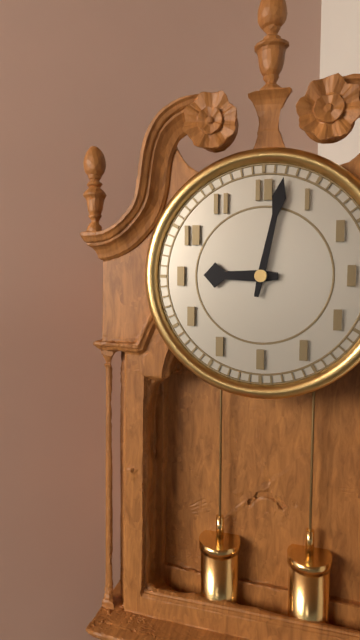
9,02
